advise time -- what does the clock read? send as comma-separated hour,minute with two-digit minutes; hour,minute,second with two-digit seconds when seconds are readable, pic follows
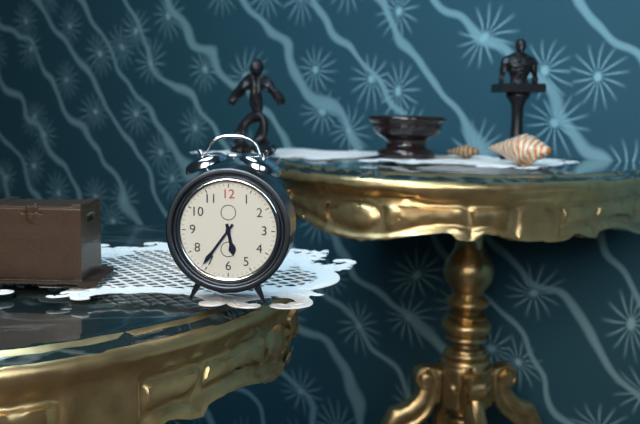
5,36
